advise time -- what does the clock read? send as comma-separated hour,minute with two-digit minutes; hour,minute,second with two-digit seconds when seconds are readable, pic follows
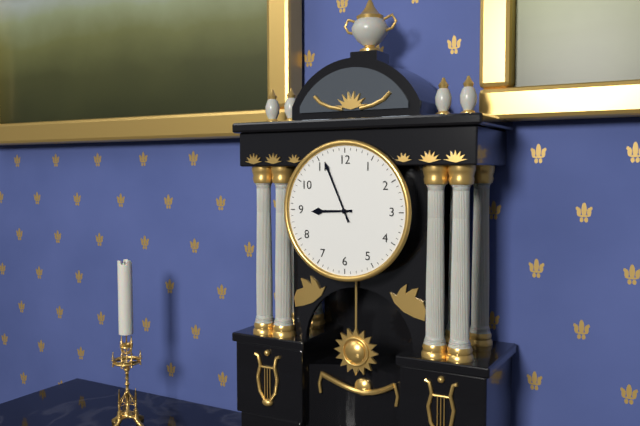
8,56
